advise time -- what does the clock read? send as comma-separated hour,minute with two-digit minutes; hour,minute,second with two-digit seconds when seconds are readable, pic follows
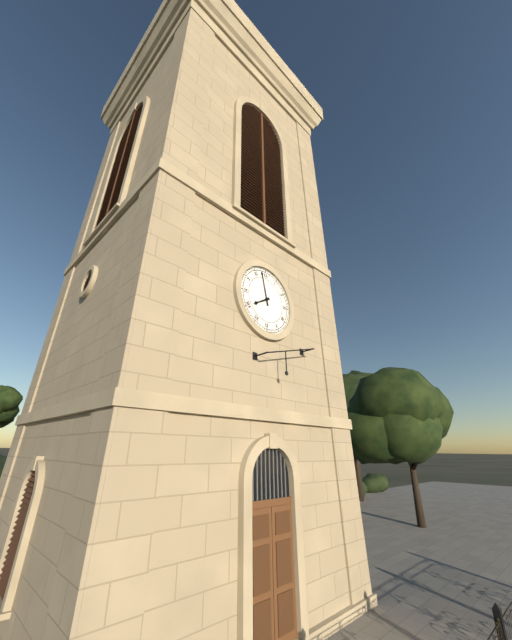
7,58
